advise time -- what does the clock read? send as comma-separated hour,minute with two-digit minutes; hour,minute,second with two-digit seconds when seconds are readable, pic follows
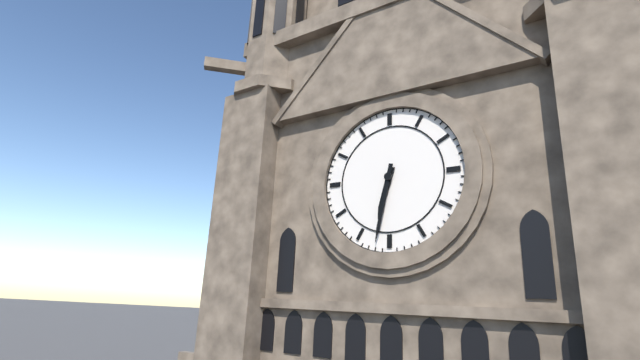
6,32
